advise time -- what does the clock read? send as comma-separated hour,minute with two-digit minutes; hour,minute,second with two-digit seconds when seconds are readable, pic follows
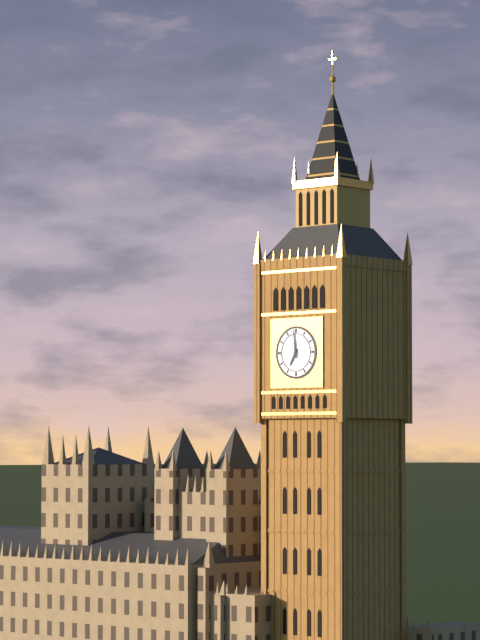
6,59
